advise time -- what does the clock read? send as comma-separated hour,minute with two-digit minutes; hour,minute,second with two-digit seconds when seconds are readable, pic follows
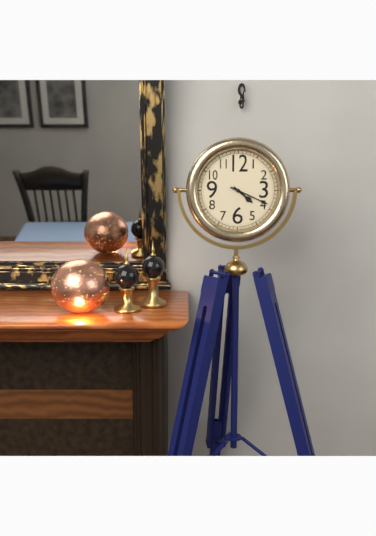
4,19
